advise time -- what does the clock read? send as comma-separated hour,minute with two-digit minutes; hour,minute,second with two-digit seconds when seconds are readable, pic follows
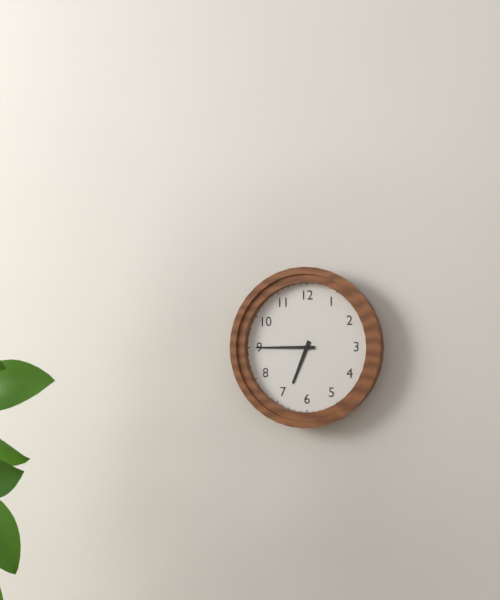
6,45
